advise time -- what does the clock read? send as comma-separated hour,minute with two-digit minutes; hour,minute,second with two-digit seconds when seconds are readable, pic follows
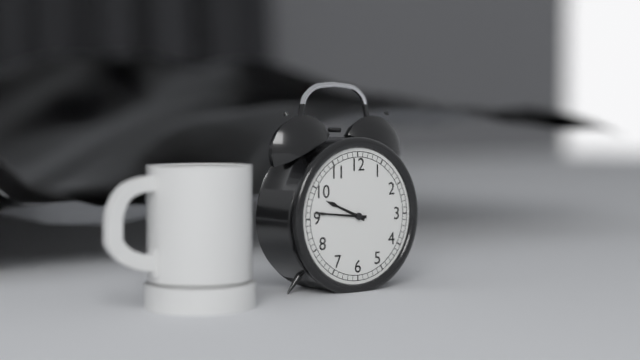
9,46
